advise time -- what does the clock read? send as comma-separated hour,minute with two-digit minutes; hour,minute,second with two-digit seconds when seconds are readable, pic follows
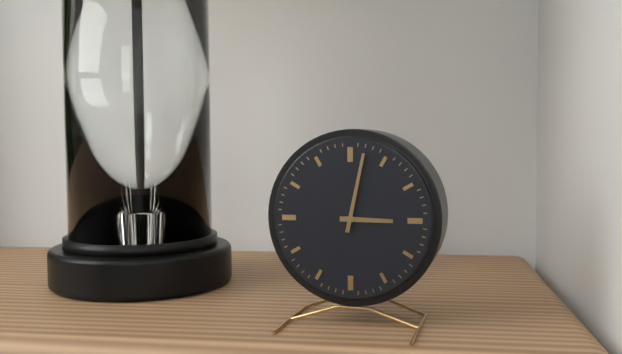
3,02
